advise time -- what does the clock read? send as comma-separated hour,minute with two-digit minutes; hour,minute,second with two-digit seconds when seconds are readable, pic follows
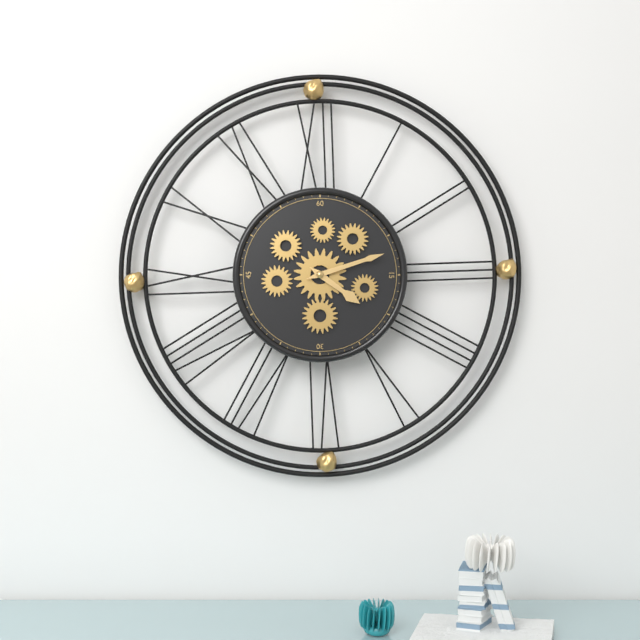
4,12
